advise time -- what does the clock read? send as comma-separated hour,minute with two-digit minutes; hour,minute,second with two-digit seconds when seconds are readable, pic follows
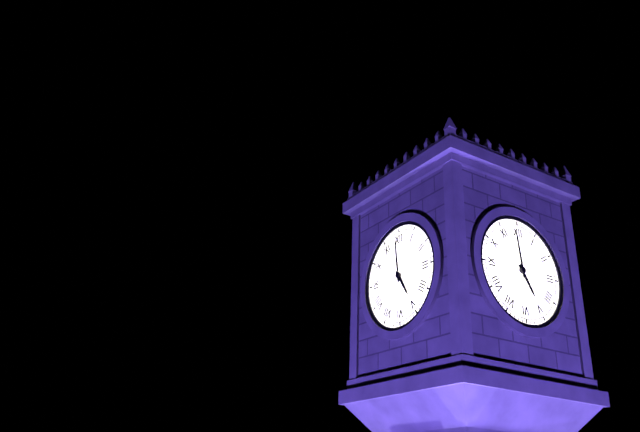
4,59
